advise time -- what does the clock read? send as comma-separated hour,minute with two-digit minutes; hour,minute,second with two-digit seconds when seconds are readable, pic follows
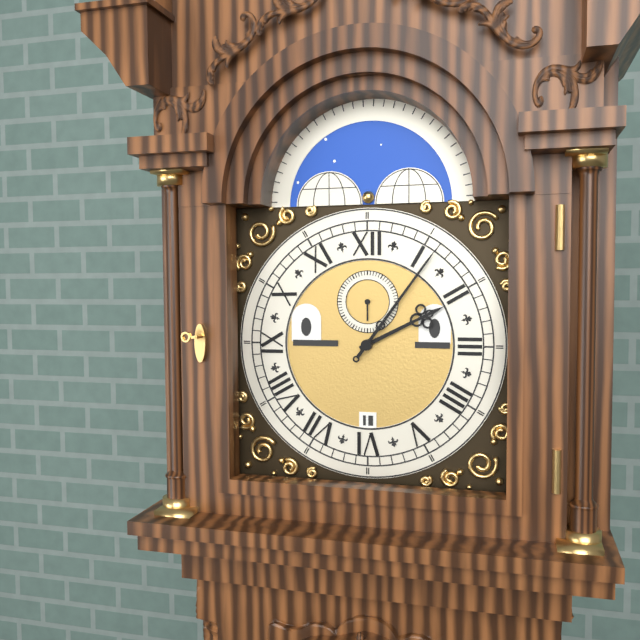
2,06
